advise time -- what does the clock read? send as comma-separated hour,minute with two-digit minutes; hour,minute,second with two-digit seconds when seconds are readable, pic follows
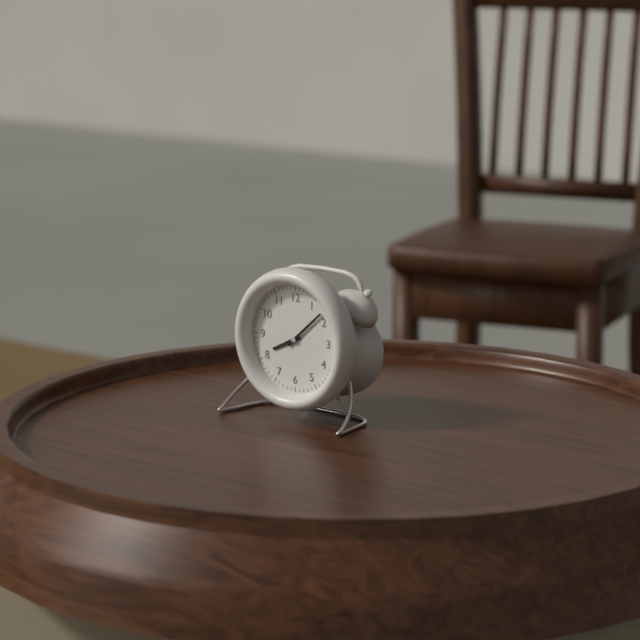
8,08
